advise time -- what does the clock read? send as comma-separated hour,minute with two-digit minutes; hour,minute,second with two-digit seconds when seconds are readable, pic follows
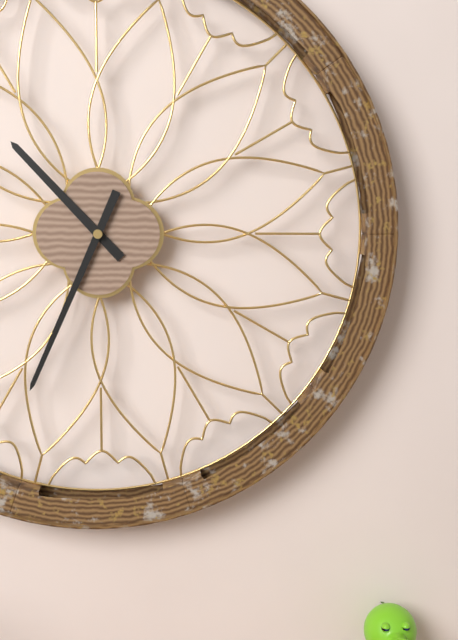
10,34
